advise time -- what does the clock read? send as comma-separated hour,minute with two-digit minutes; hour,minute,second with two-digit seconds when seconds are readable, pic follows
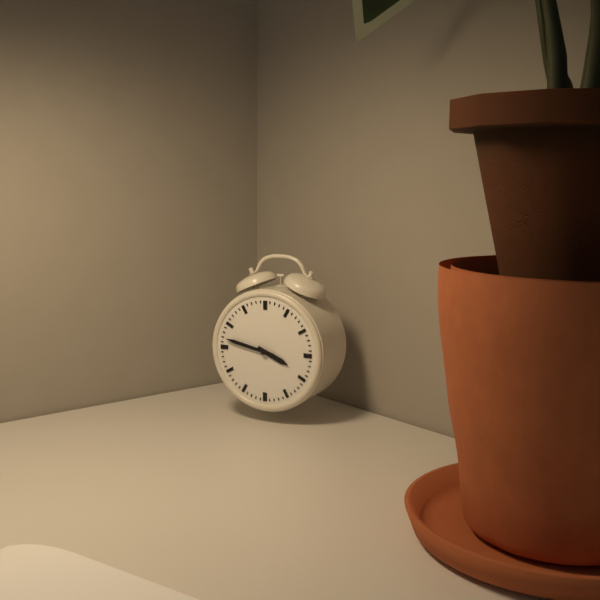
3,47
